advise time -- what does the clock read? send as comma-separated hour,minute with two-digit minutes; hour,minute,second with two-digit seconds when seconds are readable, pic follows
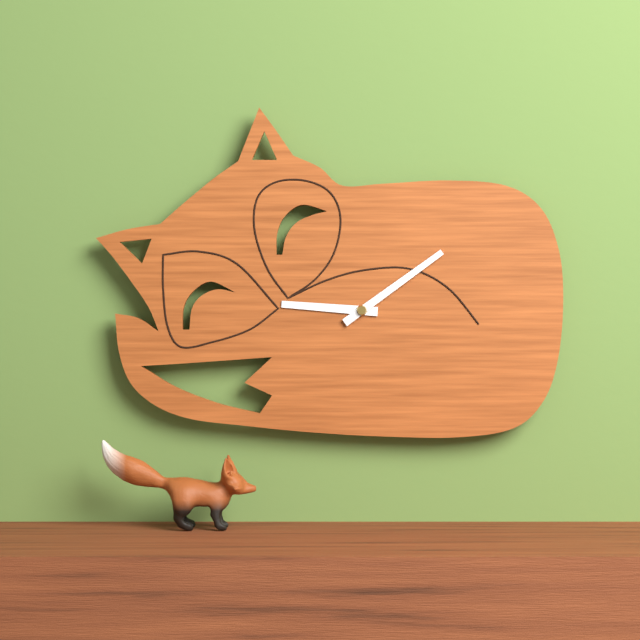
9,09
